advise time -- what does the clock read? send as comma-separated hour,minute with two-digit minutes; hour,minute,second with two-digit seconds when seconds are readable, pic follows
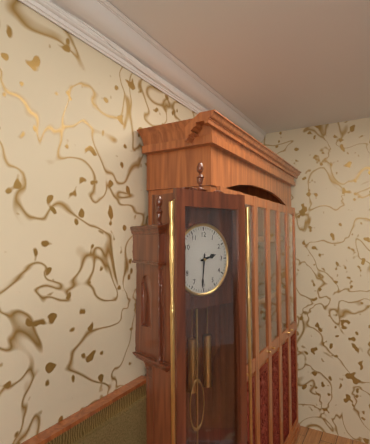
2,31
